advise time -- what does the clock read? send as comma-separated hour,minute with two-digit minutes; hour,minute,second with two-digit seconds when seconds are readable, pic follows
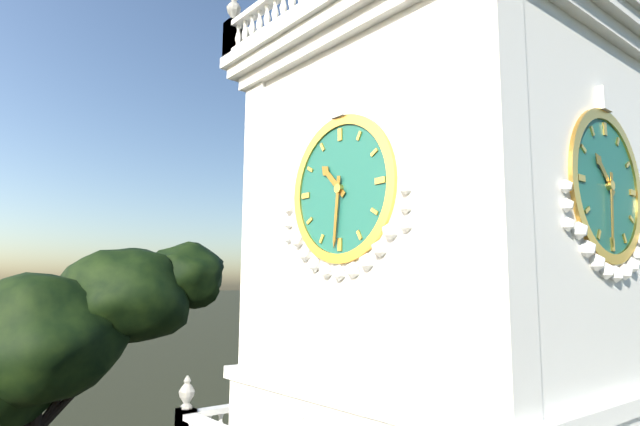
10,31
